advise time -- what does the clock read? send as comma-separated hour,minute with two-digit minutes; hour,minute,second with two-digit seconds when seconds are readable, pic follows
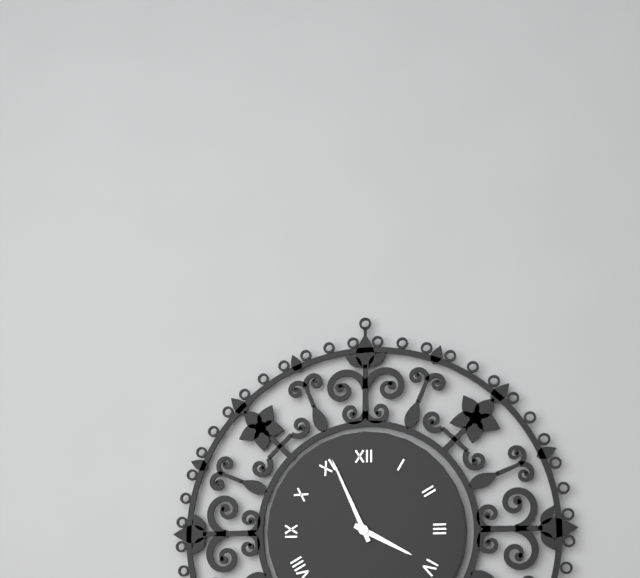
3,56
